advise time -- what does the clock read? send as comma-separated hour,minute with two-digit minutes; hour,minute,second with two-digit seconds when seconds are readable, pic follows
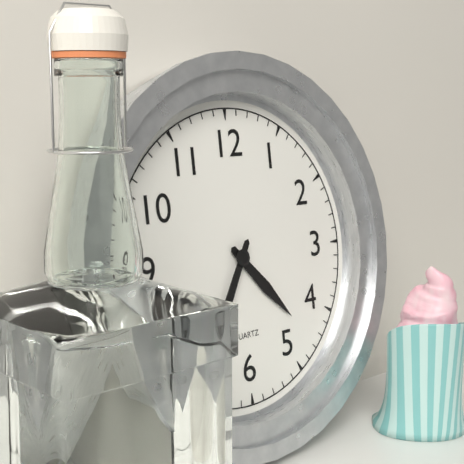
4,35
